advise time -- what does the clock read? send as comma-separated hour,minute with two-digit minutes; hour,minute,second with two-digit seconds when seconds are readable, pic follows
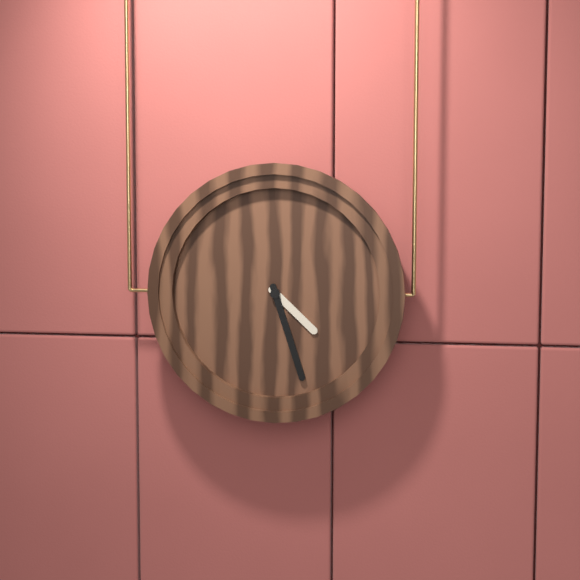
4,27
